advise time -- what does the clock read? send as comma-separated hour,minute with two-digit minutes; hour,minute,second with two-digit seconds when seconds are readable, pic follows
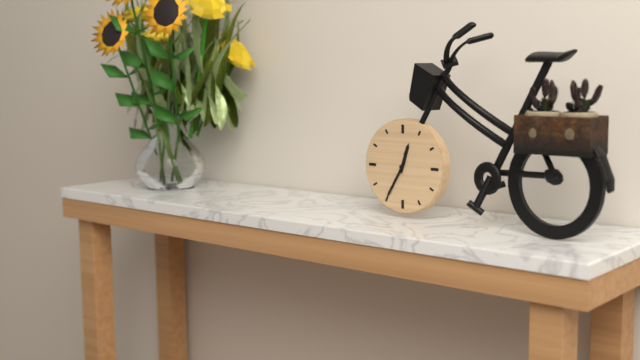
12,35
